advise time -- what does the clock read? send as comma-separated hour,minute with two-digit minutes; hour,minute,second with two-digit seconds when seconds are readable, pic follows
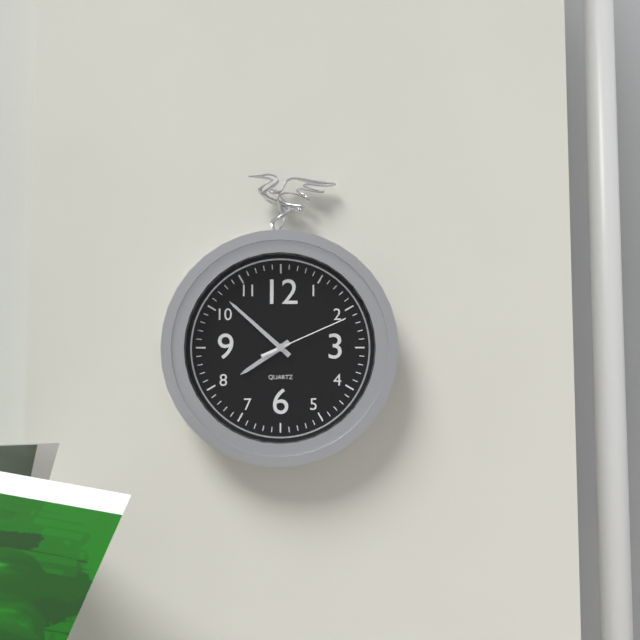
7,52,11
